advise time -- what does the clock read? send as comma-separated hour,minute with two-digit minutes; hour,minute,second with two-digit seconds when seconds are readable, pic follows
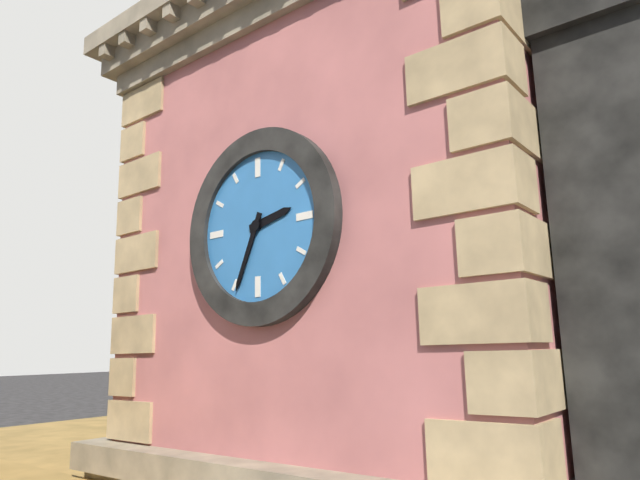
2,34
